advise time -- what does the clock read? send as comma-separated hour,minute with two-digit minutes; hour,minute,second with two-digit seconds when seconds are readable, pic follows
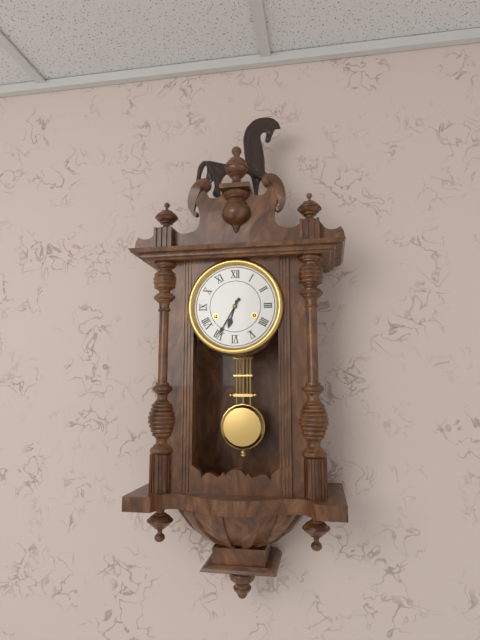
6,35
